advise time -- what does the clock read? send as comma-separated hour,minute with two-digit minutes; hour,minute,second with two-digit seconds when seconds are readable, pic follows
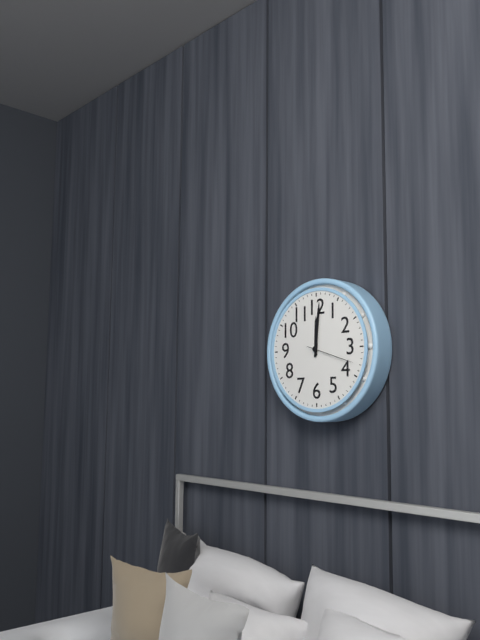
12,01,18
